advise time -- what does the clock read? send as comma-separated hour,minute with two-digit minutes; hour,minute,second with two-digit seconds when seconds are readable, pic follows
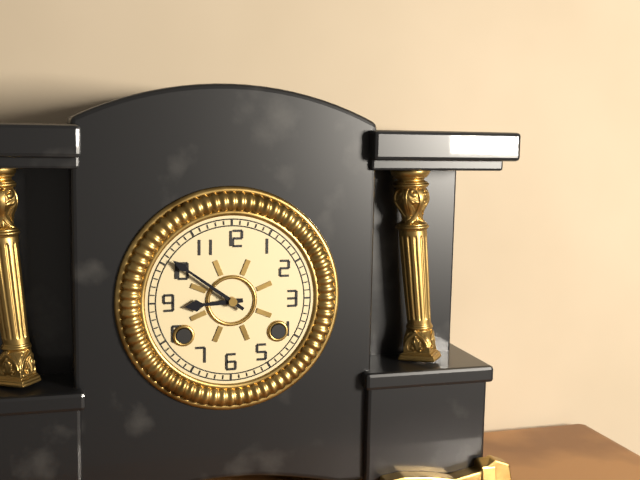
8,51
